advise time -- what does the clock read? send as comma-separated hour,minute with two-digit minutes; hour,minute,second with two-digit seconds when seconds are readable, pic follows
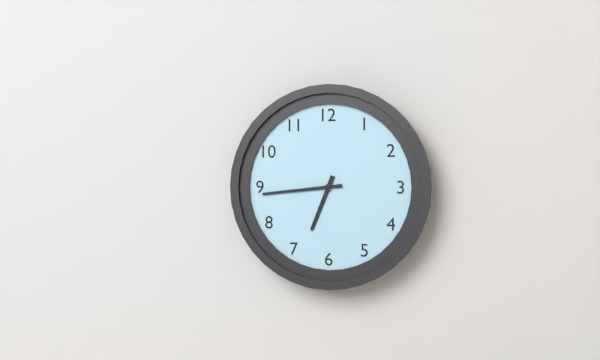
6,44
